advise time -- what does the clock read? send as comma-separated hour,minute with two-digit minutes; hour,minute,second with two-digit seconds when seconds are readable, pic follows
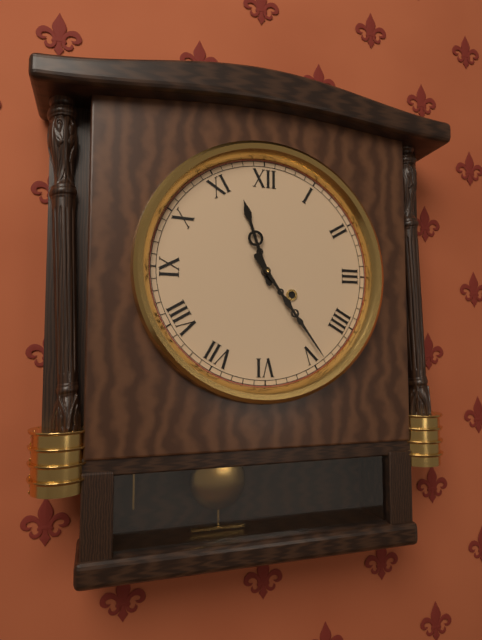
11,24
